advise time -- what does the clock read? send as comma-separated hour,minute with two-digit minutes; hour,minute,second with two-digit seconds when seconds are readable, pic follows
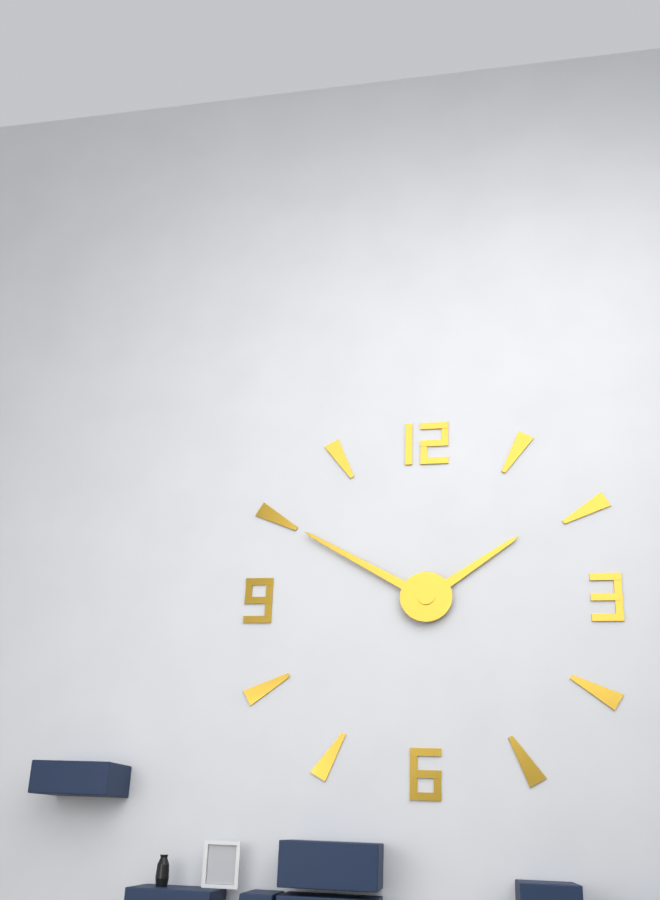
1,50
